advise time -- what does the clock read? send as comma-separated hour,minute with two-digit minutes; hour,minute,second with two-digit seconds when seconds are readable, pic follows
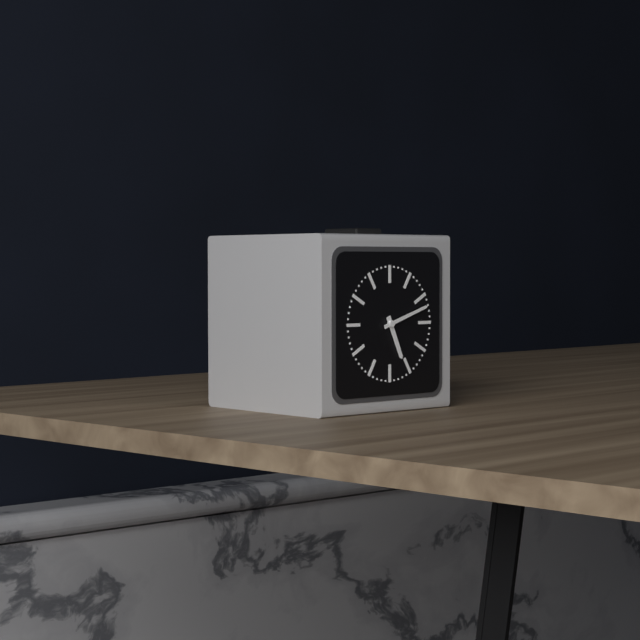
5,12
